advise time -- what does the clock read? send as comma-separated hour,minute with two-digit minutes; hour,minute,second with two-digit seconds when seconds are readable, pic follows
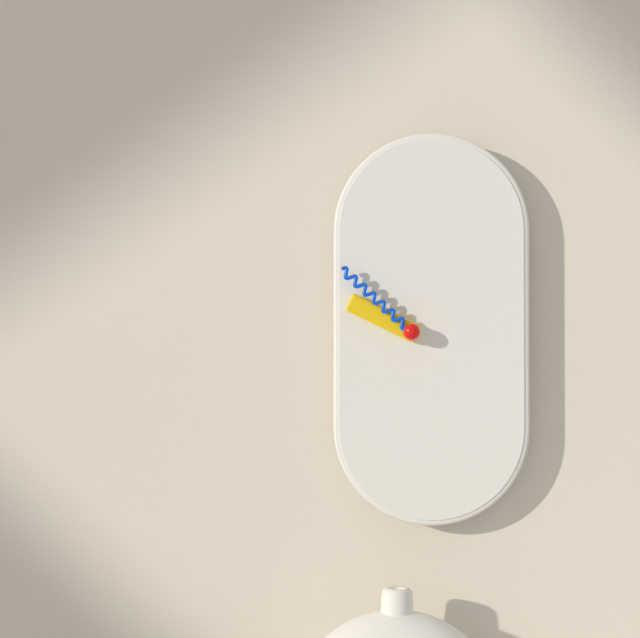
9,52
